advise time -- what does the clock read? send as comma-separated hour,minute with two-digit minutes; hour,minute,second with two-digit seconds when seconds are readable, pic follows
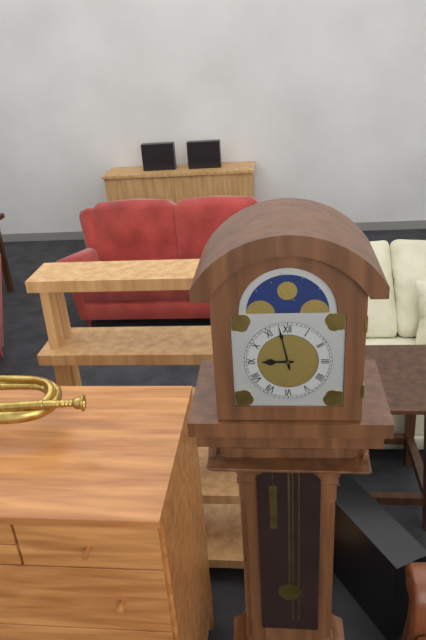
8,58
